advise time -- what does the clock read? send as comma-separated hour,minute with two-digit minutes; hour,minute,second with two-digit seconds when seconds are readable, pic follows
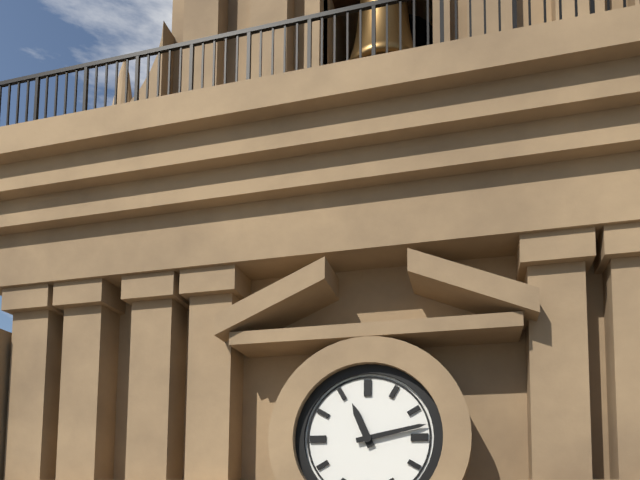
11,13
